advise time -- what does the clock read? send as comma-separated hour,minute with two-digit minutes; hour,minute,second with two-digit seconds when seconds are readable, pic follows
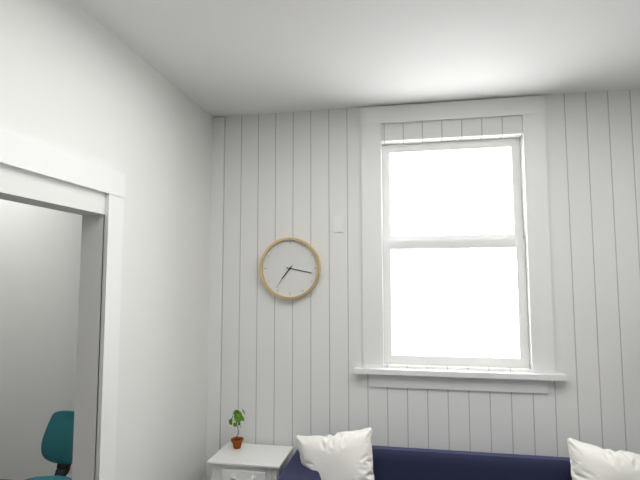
7,17
